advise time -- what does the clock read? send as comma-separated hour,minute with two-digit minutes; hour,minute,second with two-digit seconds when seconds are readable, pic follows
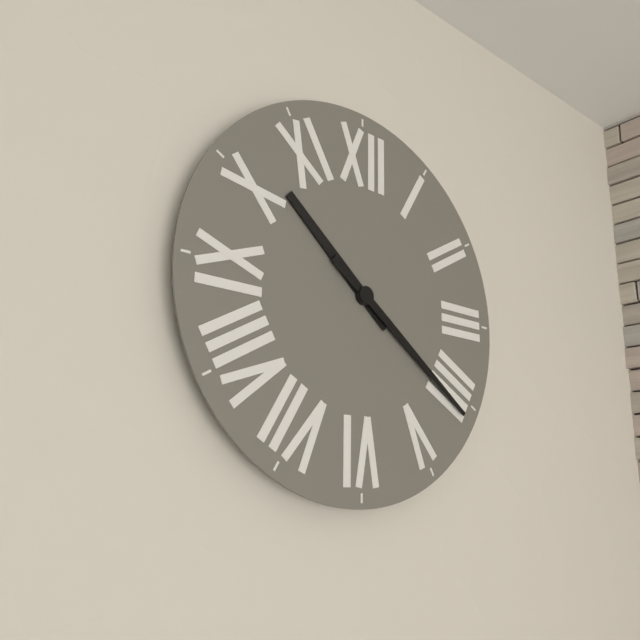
10,21
